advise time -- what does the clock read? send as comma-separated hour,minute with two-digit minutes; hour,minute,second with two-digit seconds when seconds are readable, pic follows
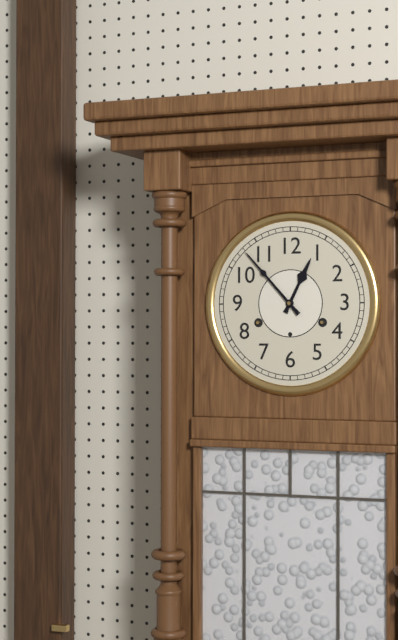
12,53
